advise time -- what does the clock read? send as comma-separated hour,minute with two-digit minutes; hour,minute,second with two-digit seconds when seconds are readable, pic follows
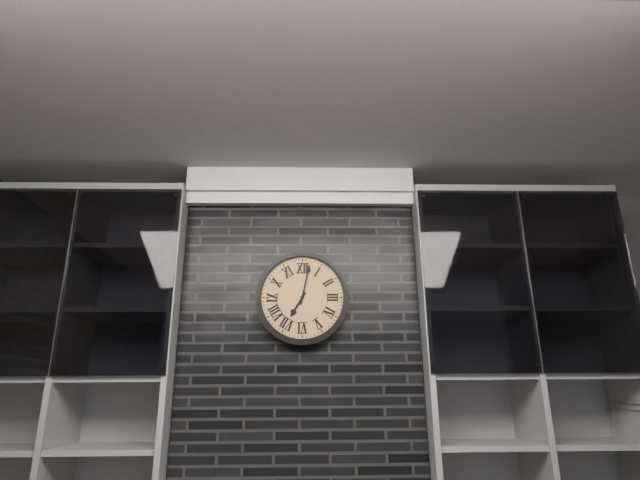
7,02
